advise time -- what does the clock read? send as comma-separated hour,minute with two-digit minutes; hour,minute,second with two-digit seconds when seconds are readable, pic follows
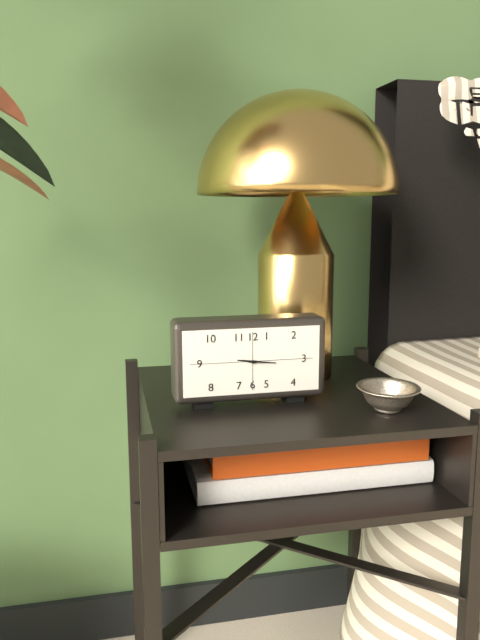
9,16
